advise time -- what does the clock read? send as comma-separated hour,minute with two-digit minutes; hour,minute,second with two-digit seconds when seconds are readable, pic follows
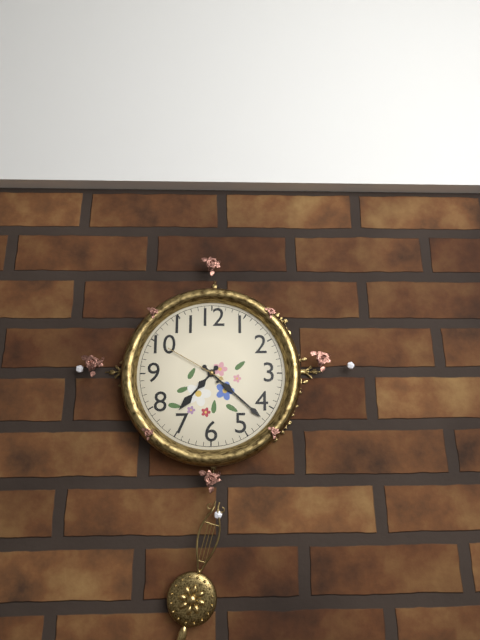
7,22,50
